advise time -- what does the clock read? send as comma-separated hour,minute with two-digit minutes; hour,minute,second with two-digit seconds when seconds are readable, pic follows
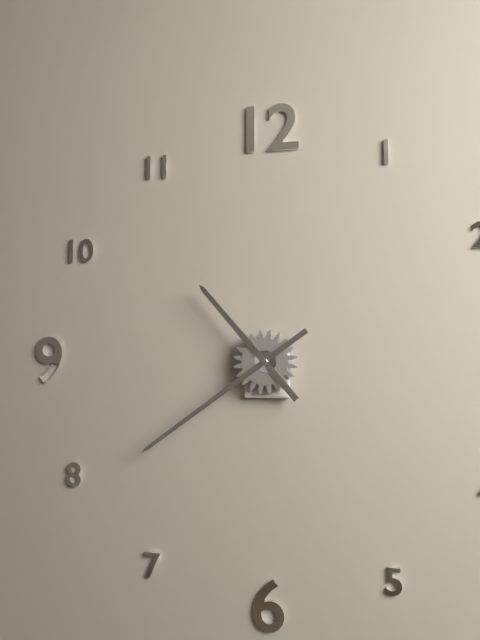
10,39
